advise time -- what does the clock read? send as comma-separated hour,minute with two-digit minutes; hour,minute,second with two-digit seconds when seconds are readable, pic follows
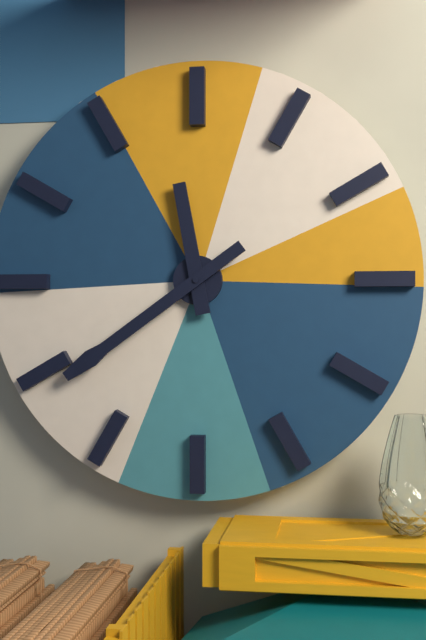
11,39
